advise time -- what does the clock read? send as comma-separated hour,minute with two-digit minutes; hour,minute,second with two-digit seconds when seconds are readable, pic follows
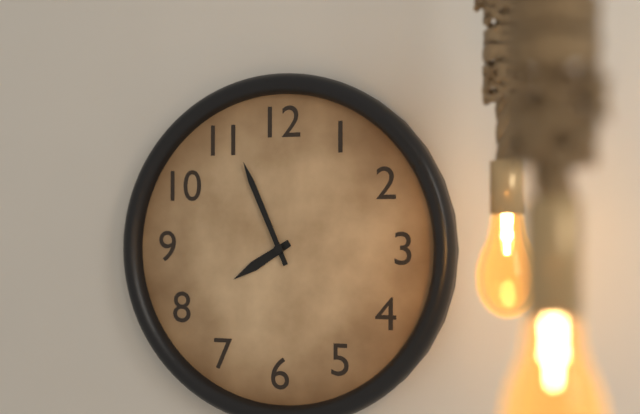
7,56
